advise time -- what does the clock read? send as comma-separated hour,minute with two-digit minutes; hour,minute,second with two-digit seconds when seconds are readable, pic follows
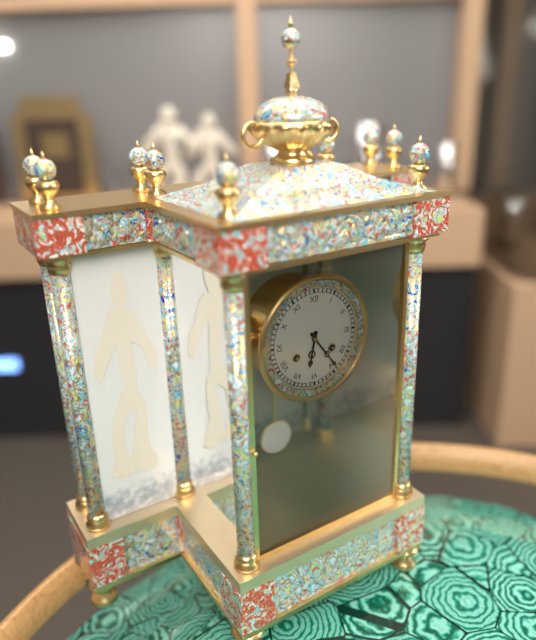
6,24
